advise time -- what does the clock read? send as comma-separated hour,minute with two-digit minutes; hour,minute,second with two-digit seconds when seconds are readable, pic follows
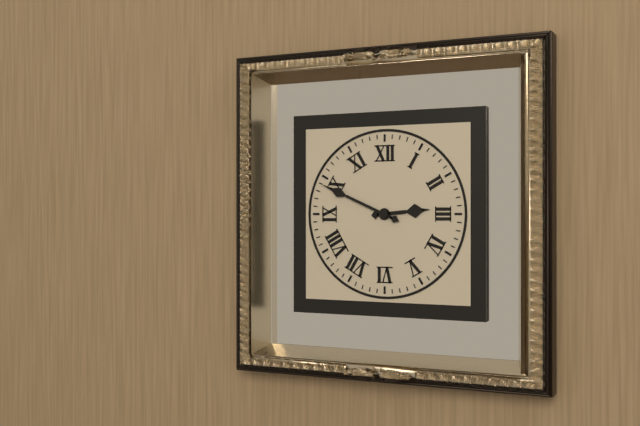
2,49
